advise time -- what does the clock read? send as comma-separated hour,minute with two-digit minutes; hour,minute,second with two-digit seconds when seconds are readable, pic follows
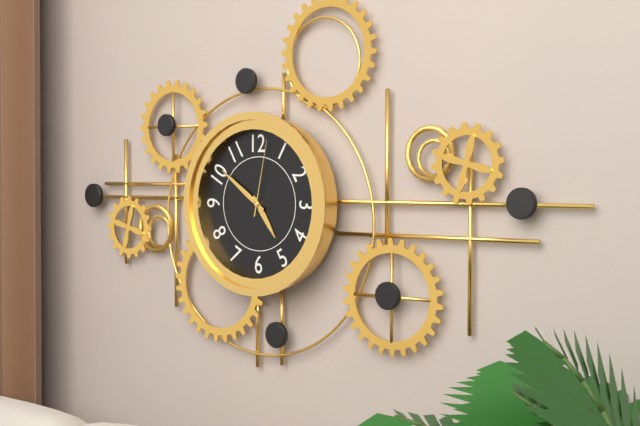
4,51,02
